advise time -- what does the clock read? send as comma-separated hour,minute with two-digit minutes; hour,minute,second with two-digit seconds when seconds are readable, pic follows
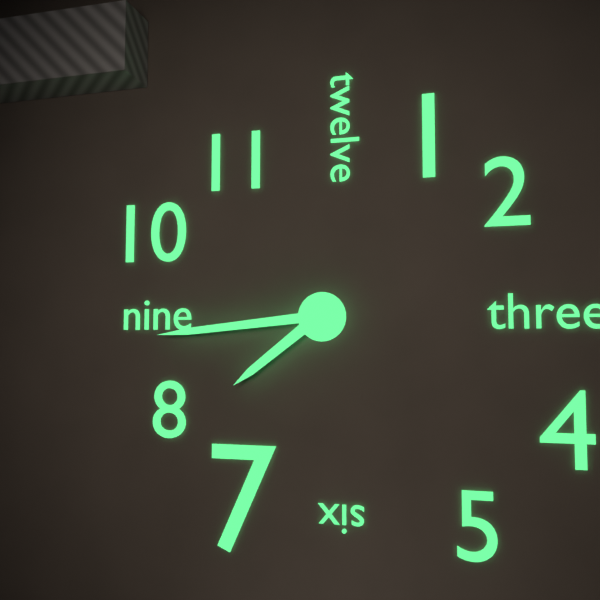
7,44
